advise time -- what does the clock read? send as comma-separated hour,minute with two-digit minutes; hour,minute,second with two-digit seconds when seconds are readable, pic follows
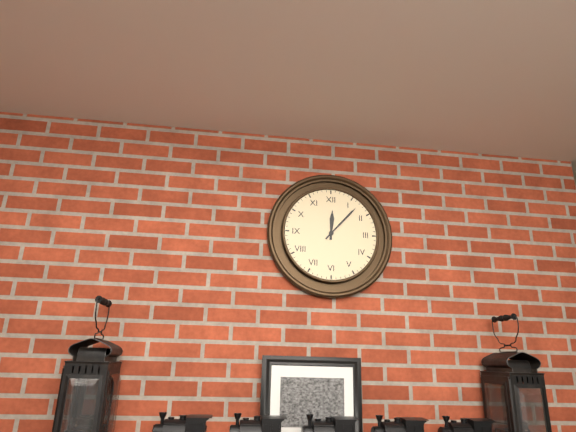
12,07
